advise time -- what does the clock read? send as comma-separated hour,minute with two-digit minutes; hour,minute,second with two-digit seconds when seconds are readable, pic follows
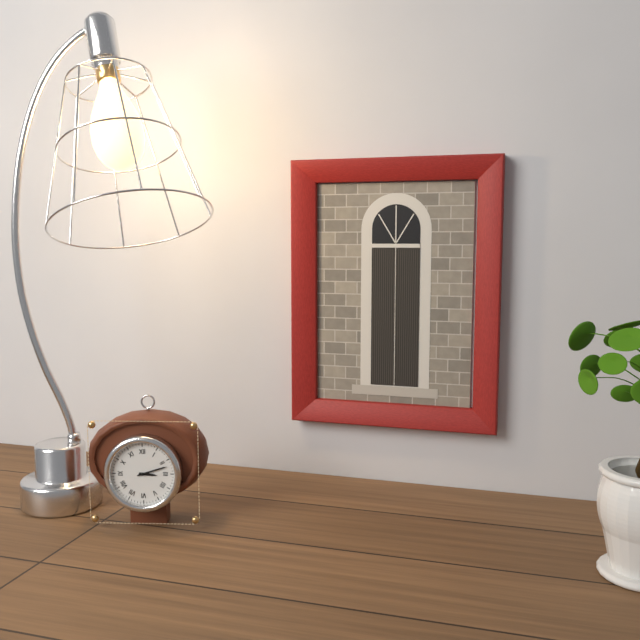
3,12
